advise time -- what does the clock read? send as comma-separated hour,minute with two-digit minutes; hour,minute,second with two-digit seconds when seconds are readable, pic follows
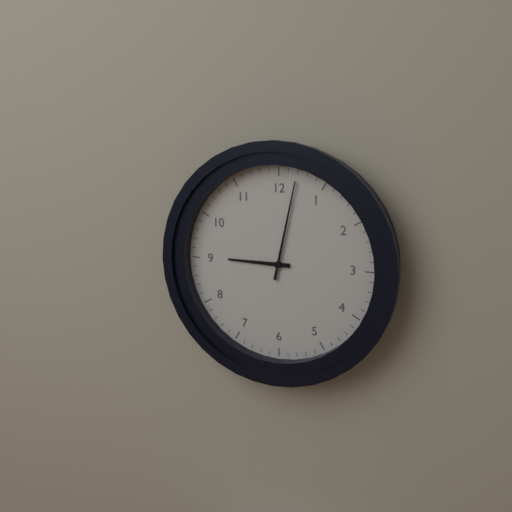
9,02
